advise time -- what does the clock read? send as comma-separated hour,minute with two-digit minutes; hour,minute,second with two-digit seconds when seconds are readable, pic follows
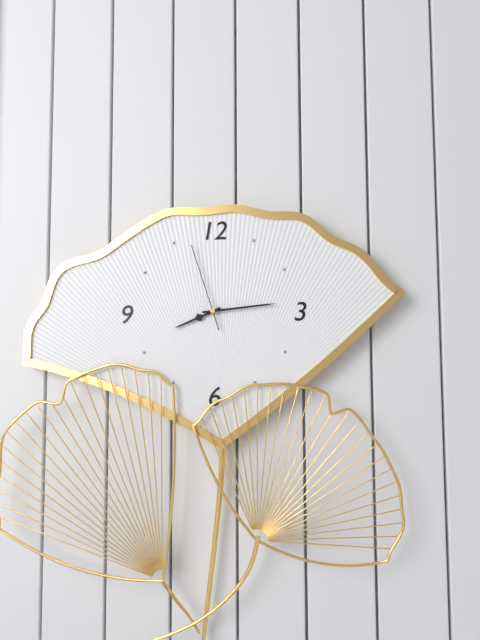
8,14,57
